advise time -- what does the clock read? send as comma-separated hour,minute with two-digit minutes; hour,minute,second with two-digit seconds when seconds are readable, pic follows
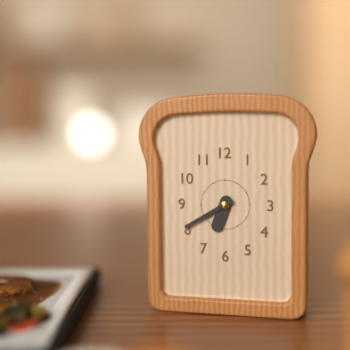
6,40
